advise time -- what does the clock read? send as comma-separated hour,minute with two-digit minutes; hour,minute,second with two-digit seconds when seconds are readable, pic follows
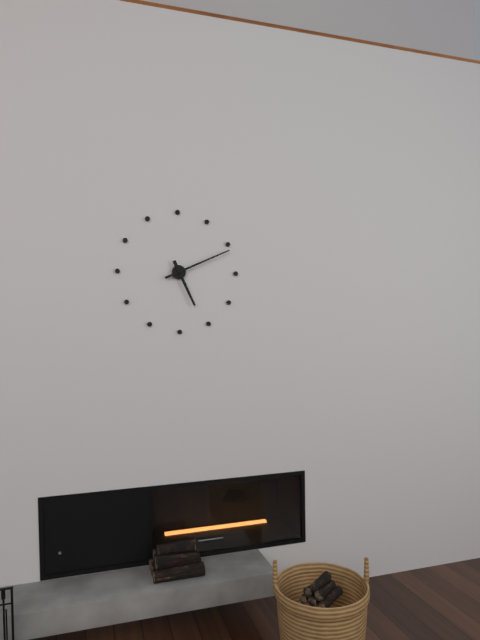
5,11
